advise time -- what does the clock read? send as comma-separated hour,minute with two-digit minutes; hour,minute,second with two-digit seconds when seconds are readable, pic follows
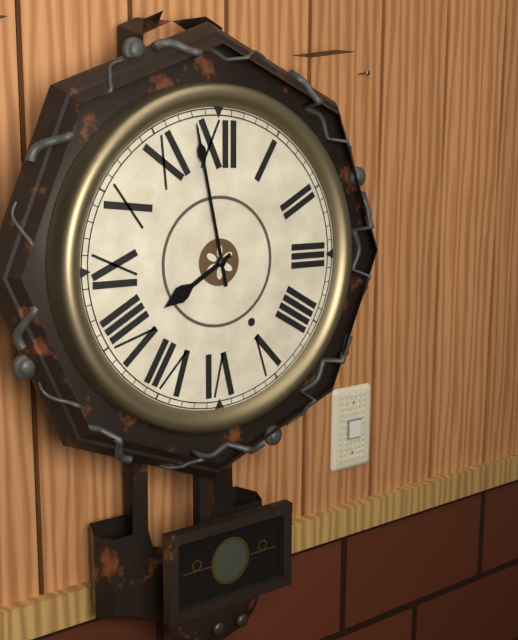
7,58
